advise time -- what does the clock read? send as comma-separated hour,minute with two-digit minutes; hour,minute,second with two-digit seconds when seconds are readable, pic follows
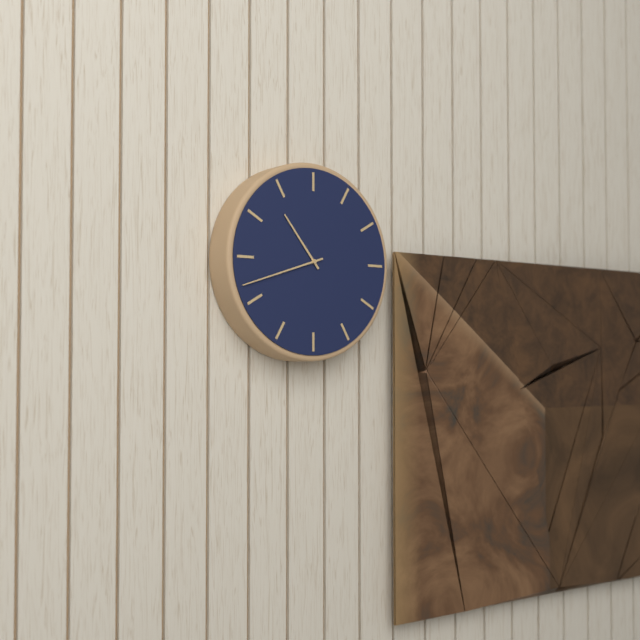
10,42
